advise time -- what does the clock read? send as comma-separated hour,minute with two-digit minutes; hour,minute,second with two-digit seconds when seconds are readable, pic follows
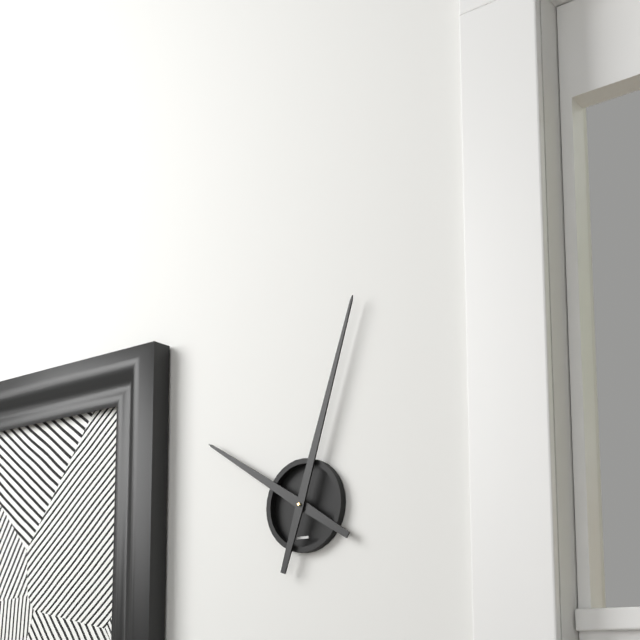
10,03
